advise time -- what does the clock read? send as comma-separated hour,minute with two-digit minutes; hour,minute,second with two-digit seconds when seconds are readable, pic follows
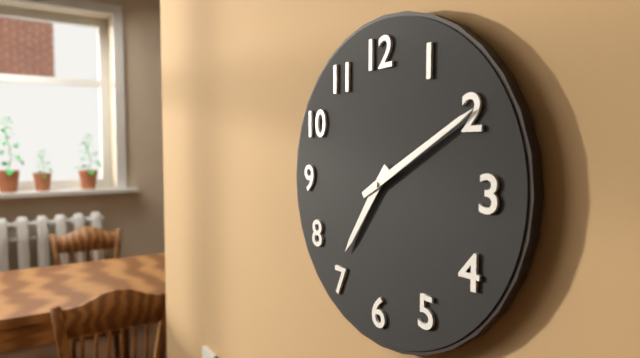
7,10
